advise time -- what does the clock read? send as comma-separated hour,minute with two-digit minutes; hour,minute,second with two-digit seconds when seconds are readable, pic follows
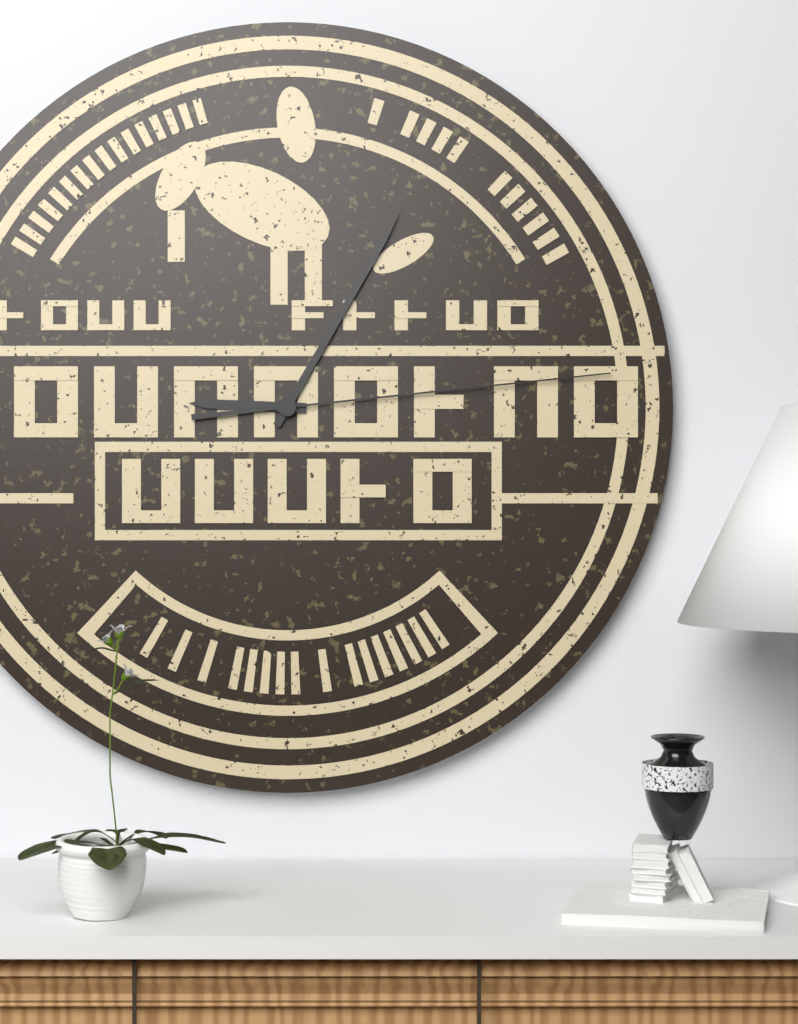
9,05,14
